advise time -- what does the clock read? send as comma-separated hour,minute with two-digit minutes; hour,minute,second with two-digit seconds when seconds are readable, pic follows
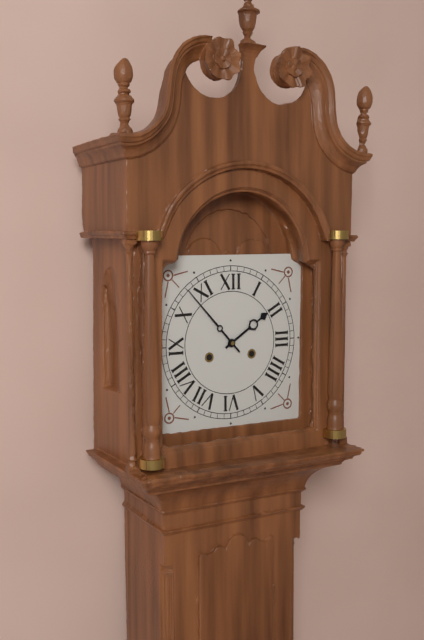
1,53
